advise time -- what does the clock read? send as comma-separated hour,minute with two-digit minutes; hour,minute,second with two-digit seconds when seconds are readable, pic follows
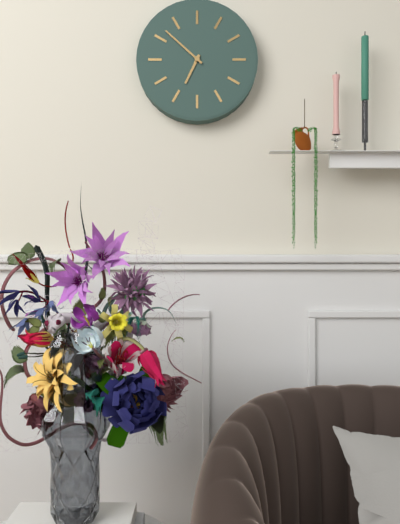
6,52
